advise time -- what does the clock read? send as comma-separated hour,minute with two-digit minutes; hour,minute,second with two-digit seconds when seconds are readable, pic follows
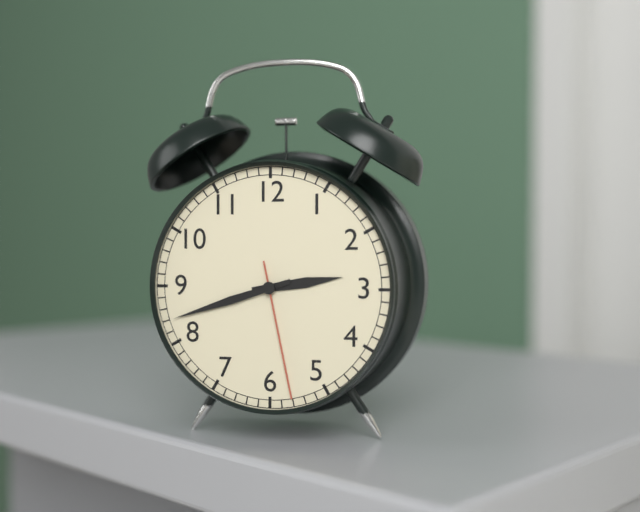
2,42,28
